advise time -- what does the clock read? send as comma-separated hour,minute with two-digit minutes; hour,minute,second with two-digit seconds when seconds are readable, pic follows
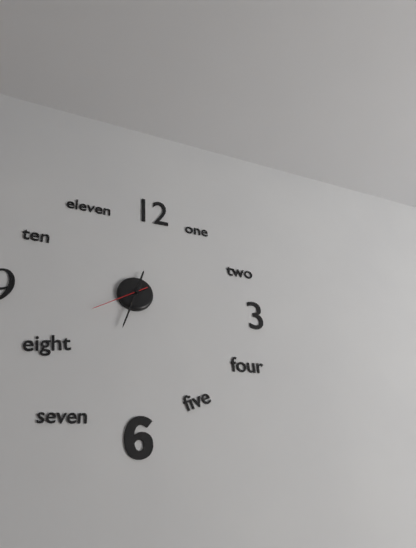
12,33,40
